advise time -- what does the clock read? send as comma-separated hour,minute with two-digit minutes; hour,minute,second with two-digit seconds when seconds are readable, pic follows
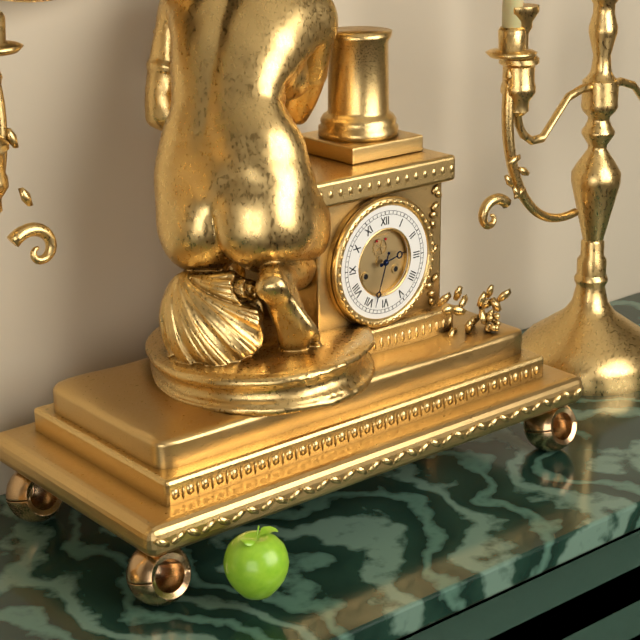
2,33
